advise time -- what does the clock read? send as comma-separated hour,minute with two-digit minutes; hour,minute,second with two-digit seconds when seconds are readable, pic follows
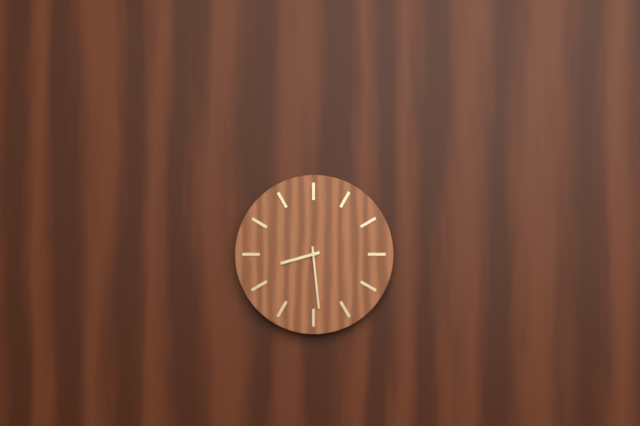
8,29
